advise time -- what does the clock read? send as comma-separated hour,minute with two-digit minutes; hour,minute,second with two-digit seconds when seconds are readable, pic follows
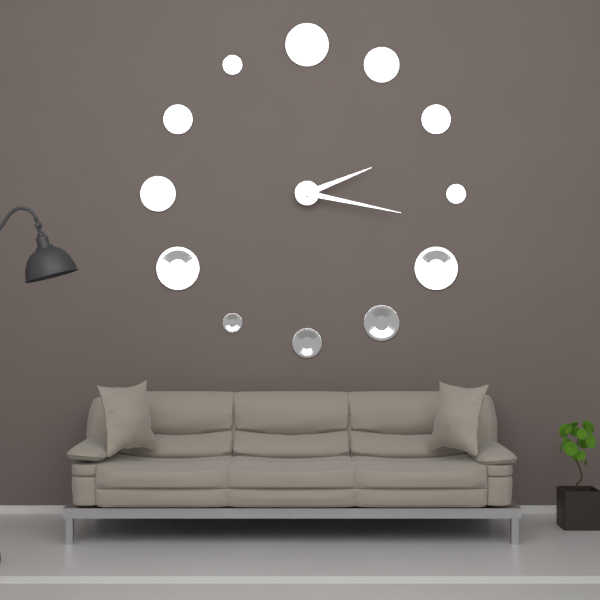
2,17
